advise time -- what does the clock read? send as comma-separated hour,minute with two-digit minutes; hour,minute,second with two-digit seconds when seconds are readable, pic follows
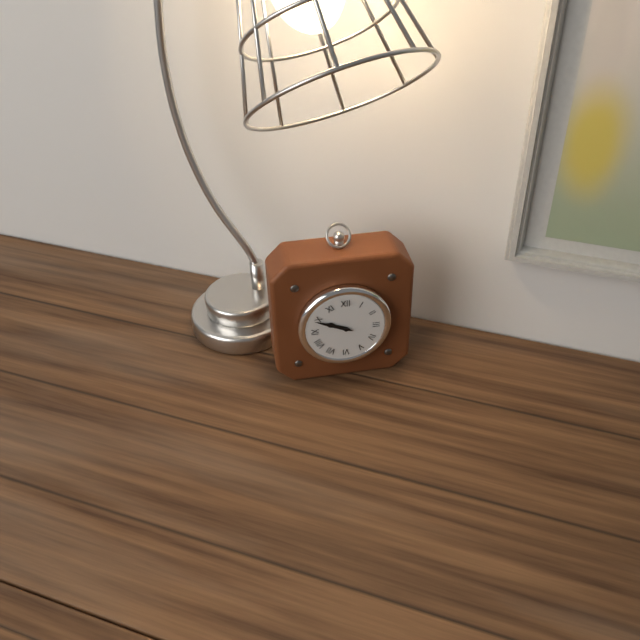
9,49
